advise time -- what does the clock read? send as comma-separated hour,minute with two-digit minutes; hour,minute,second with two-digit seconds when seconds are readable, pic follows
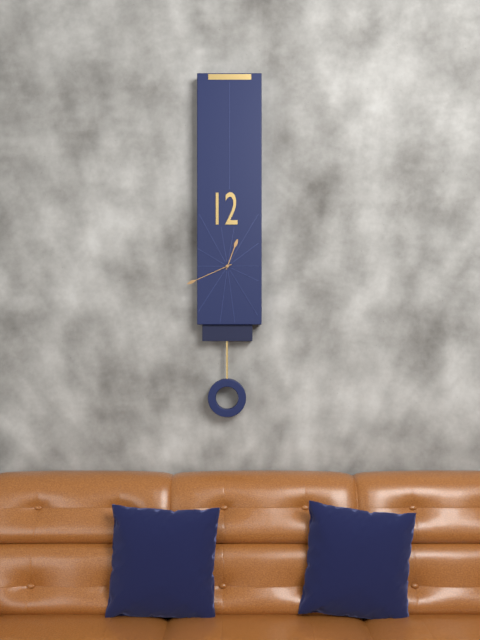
12,41
